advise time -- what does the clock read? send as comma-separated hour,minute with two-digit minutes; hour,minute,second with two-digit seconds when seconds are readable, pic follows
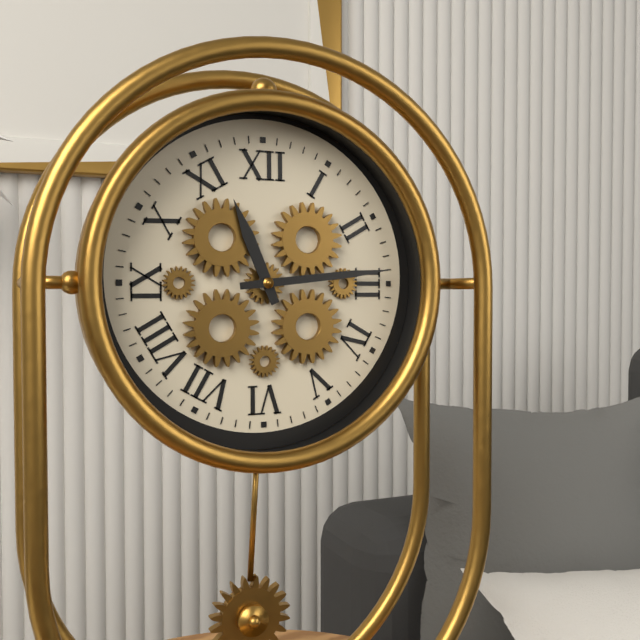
11,14
